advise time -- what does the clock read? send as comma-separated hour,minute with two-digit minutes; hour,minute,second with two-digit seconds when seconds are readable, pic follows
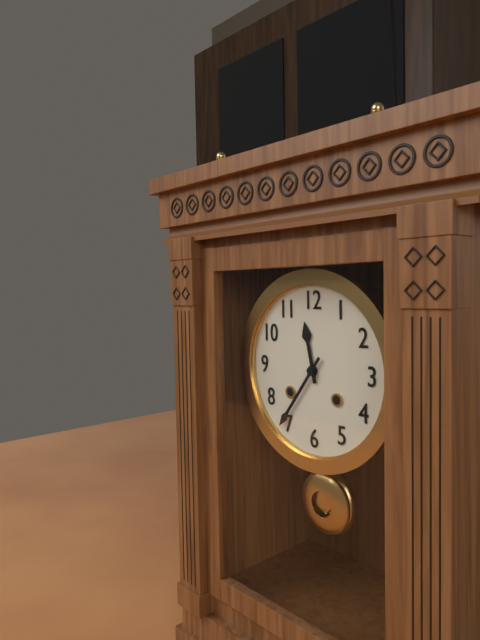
11,36
